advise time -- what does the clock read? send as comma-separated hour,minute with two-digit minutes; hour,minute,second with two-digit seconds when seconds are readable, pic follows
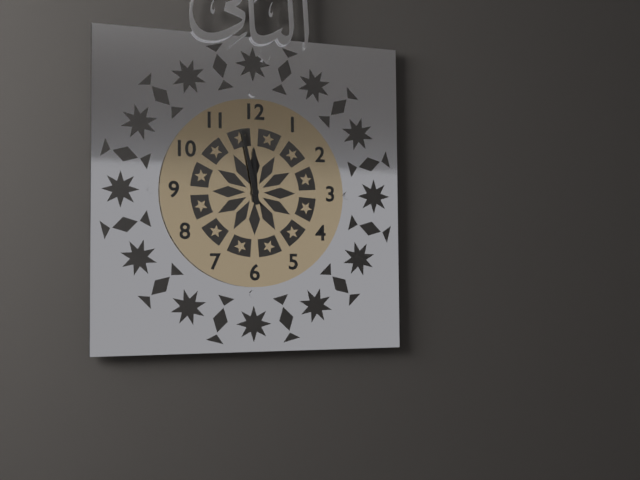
11,58
